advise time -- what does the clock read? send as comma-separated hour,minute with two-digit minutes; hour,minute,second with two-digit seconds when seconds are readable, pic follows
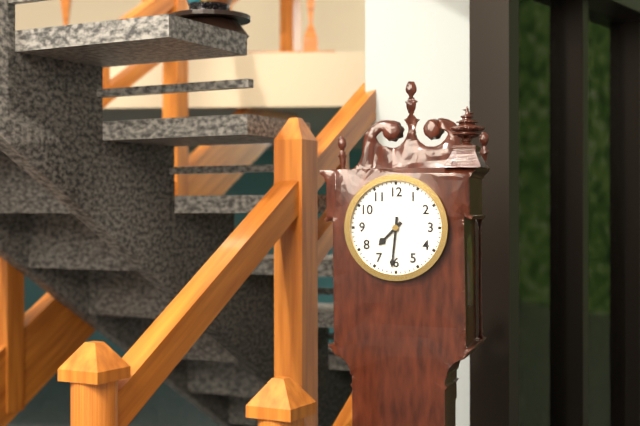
7,31
